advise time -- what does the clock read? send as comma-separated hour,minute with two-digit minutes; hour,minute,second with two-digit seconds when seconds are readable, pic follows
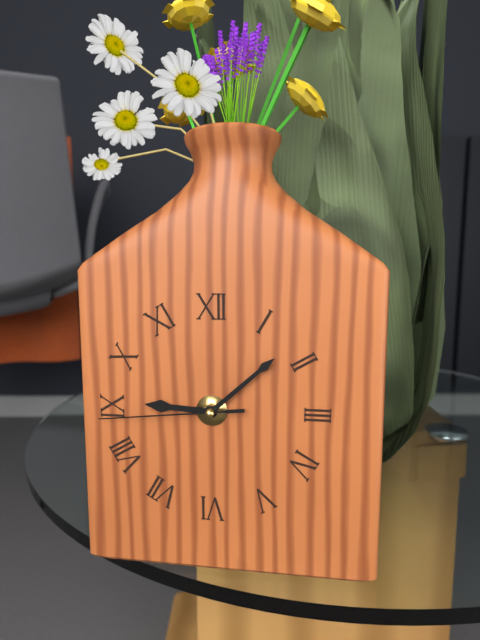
9,08,44
